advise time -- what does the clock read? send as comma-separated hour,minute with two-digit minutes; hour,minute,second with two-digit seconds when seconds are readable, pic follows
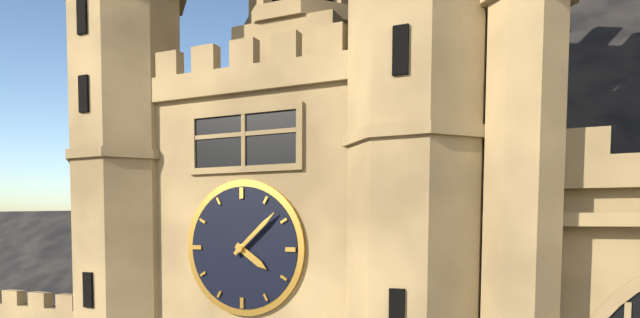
4,08
